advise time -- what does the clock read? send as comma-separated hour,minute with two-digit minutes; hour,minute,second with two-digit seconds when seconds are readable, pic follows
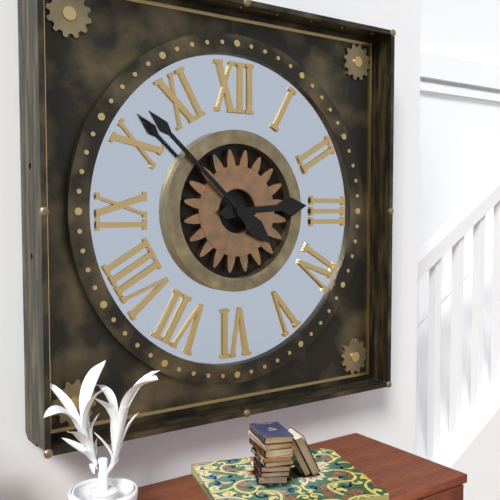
2,52
